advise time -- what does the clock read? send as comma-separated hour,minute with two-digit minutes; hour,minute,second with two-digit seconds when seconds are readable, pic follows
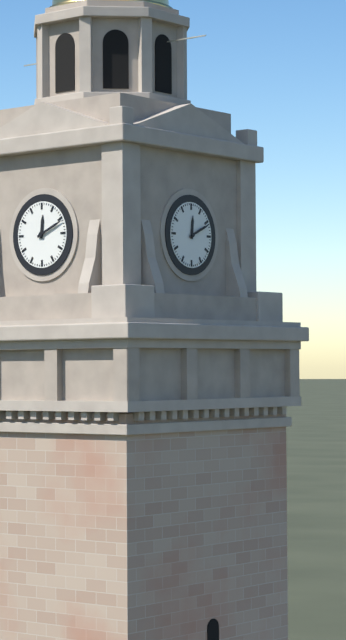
12,11
